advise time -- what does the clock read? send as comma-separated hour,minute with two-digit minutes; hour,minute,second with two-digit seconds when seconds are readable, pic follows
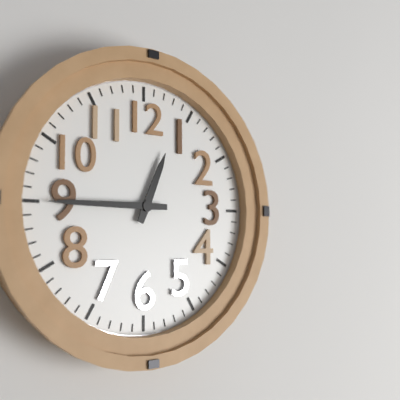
12,45
